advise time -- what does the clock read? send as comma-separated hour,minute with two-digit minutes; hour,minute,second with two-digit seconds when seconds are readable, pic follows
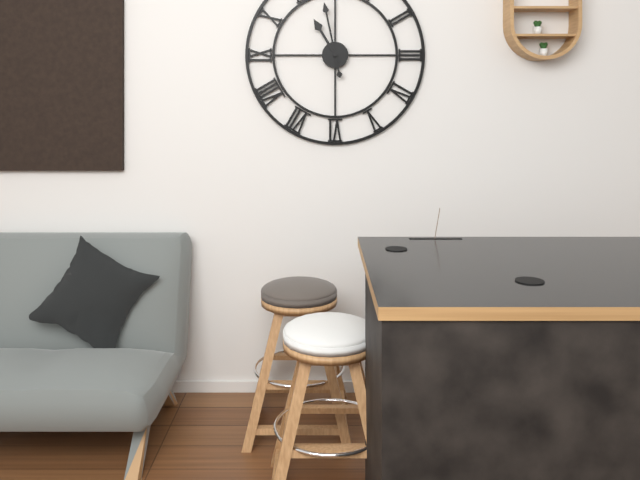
10,58
